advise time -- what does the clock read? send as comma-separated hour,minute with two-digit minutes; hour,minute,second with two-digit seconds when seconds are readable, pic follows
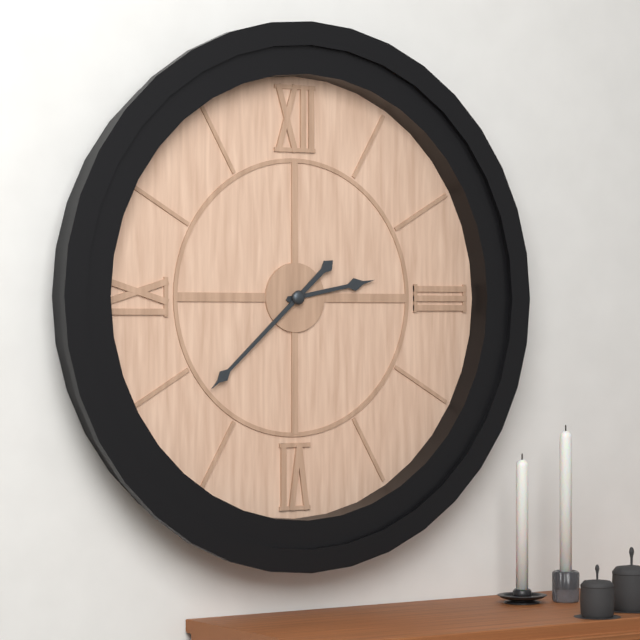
2,38
